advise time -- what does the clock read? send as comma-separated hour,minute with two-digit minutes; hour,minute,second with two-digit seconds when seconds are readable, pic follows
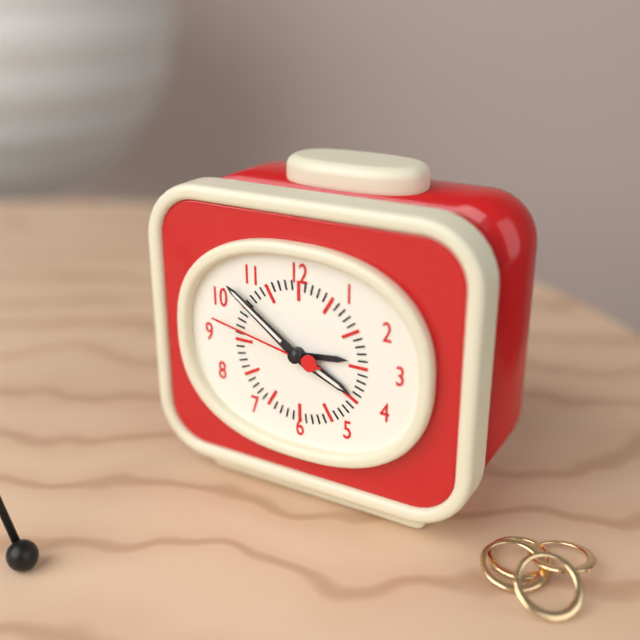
3,51,47
